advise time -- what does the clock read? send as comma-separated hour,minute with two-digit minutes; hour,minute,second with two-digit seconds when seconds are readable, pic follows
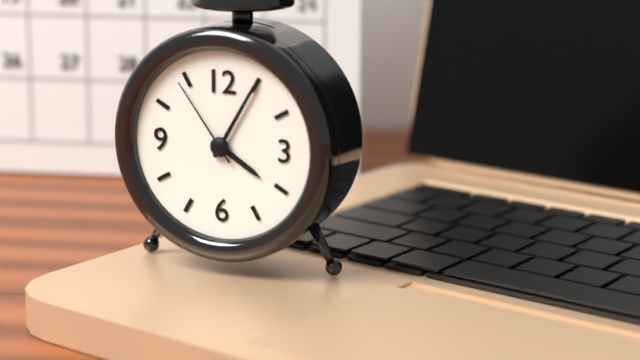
4,05,54
